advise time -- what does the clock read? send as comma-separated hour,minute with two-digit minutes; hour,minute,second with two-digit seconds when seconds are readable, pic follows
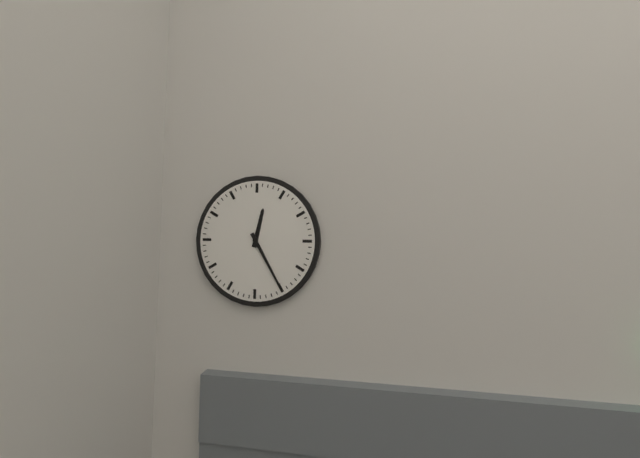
12,25
